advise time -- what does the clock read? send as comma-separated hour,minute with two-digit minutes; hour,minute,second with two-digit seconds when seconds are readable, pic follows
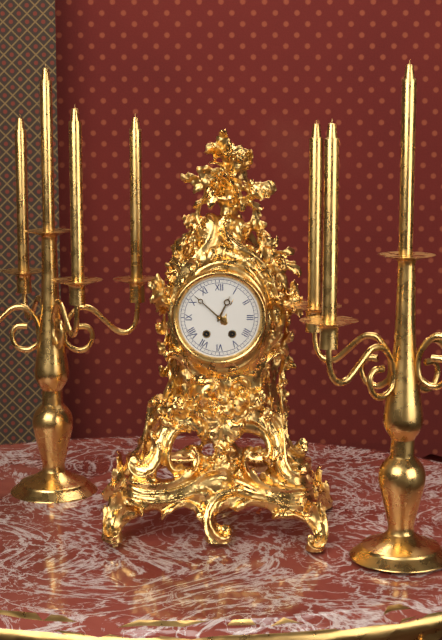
12,52
